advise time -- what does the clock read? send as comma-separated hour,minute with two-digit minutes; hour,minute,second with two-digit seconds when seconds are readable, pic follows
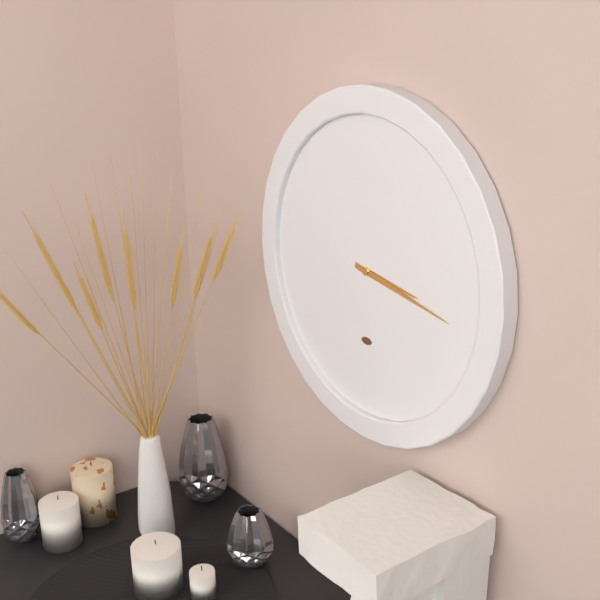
3,17
